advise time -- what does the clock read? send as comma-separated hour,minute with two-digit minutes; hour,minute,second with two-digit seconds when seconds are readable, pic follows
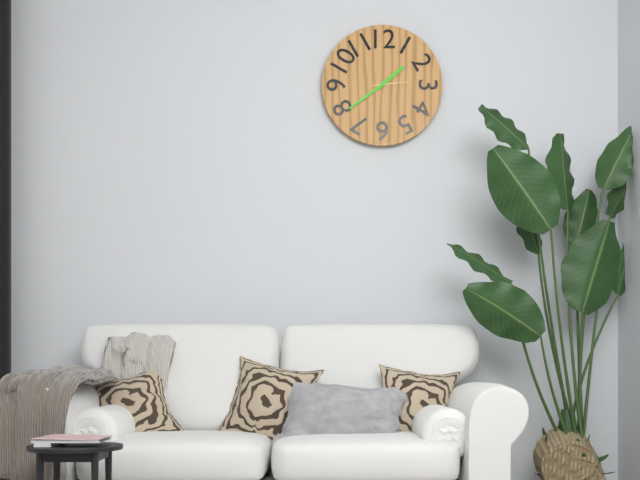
1,39
